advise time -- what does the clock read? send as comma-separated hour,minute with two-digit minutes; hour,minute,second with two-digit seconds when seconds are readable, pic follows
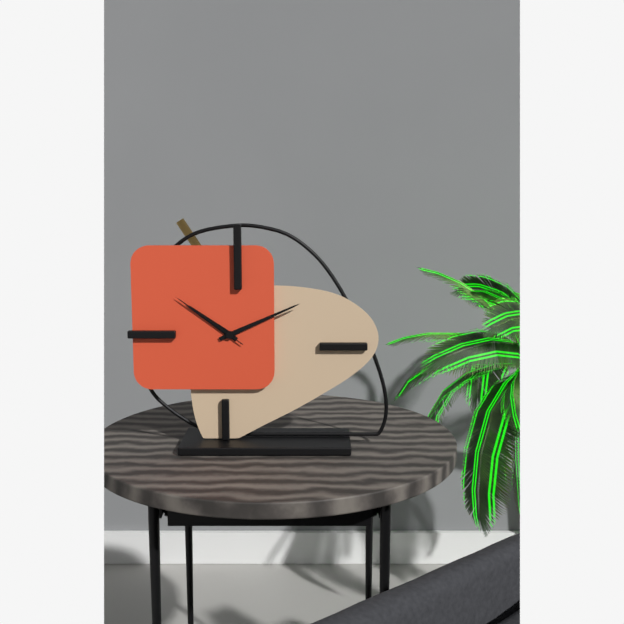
10,11,51
